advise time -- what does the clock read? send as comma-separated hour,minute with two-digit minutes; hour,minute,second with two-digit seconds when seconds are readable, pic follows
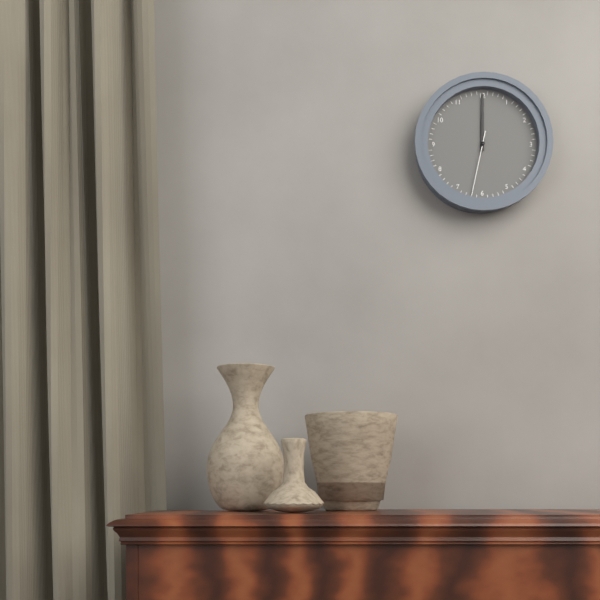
12,00,32
